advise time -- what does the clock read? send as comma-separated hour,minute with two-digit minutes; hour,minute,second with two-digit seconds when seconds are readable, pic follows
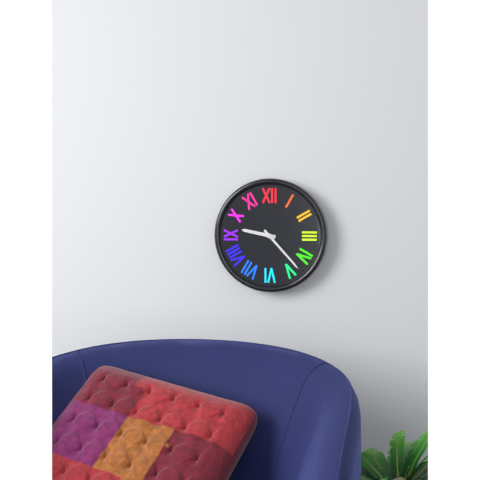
9,23
